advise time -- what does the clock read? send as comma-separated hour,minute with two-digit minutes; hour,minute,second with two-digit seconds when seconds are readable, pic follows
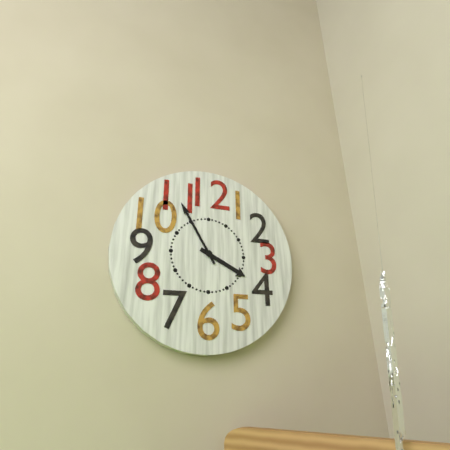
3,55
